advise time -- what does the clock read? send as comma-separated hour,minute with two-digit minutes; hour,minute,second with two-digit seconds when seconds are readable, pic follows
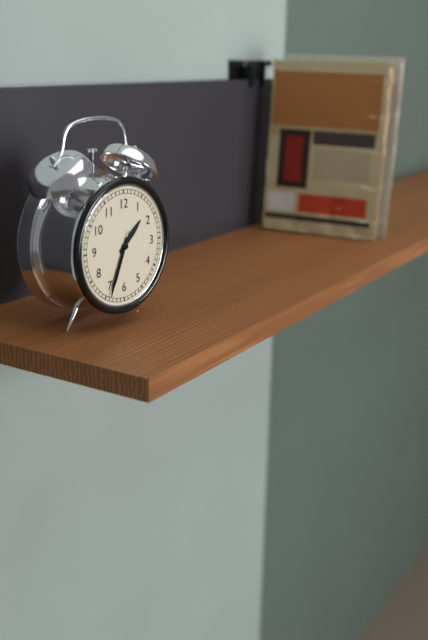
1,34,34
